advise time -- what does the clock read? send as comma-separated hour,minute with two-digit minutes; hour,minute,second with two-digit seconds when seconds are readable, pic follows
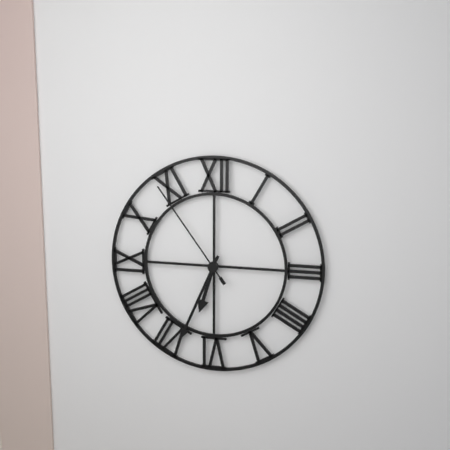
6,34,54
